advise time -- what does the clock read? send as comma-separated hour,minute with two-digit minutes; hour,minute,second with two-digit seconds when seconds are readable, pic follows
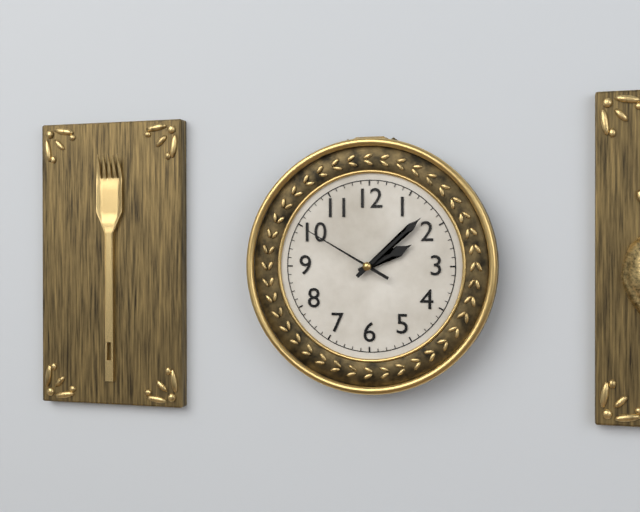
2,08,50
